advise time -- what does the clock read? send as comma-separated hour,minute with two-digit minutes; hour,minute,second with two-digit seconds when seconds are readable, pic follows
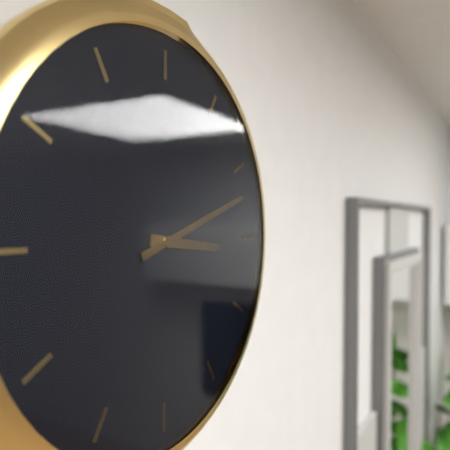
3,12
